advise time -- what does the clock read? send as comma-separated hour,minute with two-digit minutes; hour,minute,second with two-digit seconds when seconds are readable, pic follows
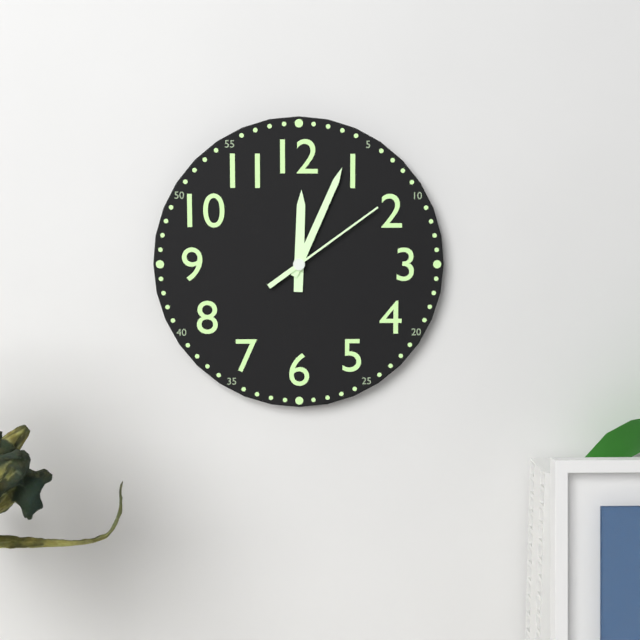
12,04,09
